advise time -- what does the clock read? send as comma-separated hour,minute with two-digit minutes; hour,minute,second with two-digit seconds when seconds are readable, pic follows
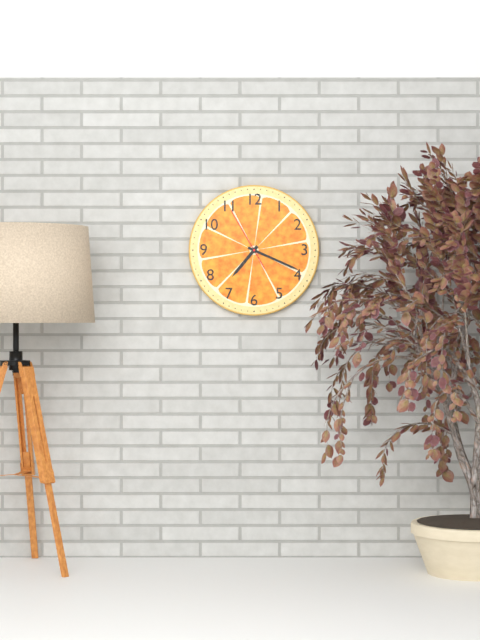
7,19,55
